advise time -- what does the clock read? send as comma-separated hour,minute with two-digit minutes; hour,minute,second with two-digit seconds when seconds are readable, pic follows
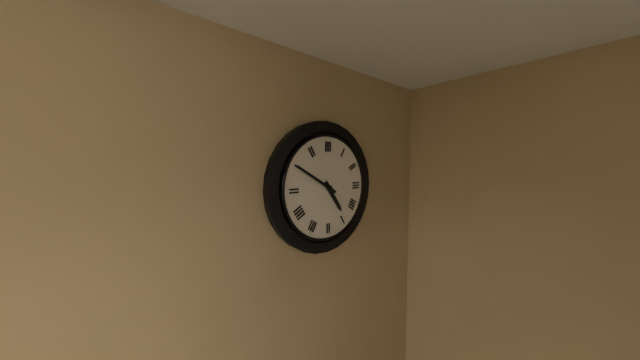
4,50
